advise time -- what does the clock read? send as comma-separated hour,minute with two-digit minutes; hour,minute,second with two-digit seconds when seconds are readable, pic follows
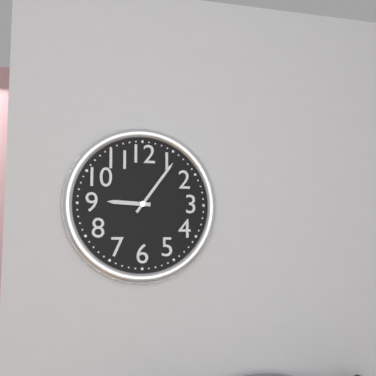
9,06
